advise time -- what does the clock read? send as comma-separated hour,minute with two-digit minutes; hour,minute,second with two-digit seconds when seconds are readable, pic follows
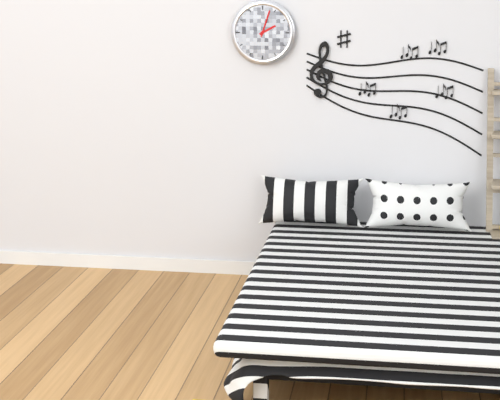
2,03
